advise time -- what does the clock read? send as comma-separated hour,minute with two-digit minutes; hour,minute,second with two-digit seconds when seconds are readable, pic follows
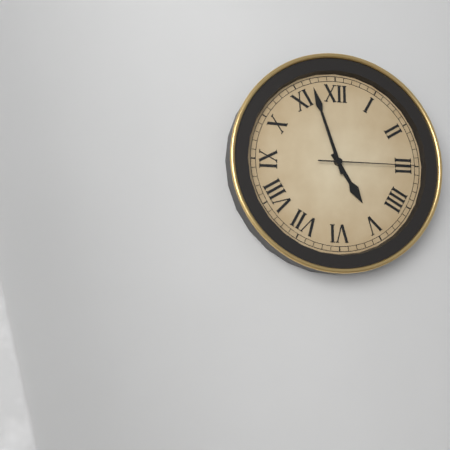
4,57,15
